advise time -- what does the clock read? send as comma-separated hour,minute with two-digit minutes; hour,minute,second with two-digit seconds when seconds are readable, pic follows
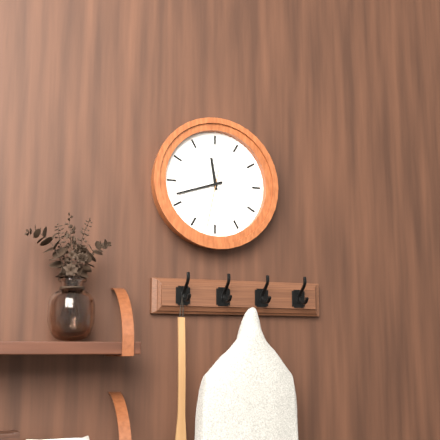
11,42,32
